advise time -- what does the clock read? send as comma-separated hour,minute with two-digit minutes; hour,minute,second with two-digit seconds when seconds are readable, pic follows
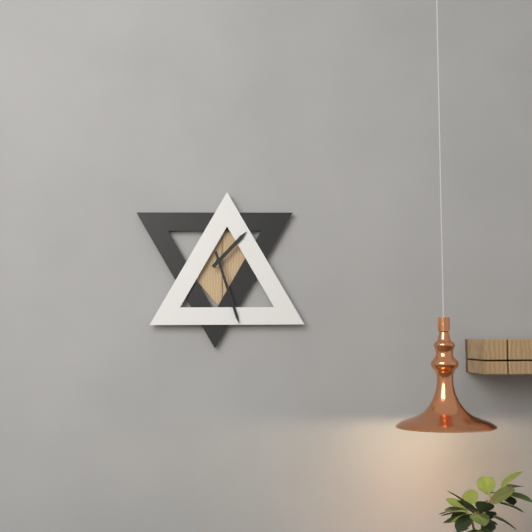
1,27
